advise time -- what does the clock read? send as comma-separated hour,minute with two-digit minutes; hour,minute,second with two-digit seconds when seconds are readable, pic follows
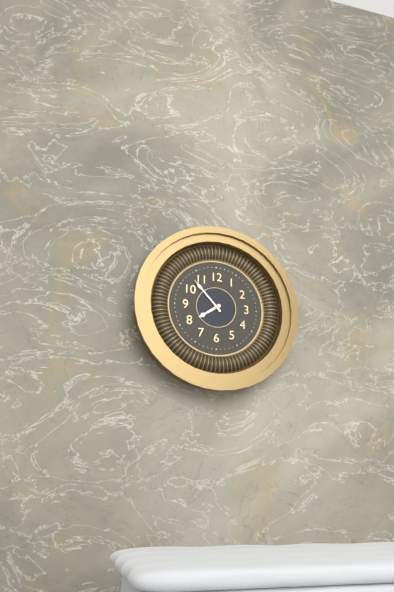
7,53
